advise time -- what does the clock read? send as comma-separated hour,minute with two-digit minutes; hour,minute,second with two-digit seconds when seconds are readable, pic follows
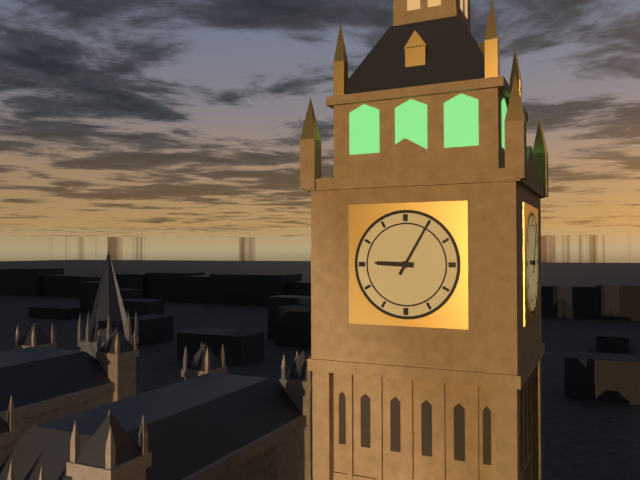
9,05
